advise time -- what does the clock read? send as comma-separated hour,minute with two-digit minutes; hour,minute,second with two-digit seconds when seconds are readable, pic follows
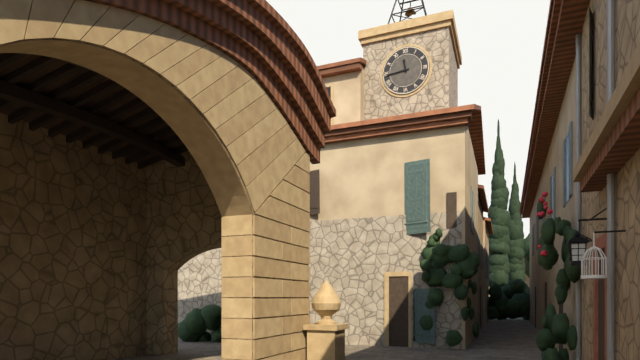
11,44
